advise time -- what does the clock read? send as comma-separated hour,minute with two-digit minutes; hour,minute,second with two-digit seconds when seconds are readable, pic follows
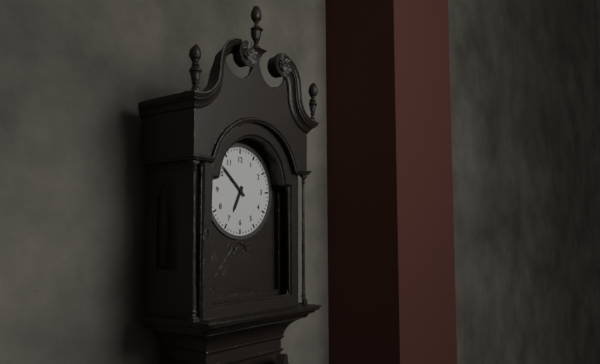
6,52
